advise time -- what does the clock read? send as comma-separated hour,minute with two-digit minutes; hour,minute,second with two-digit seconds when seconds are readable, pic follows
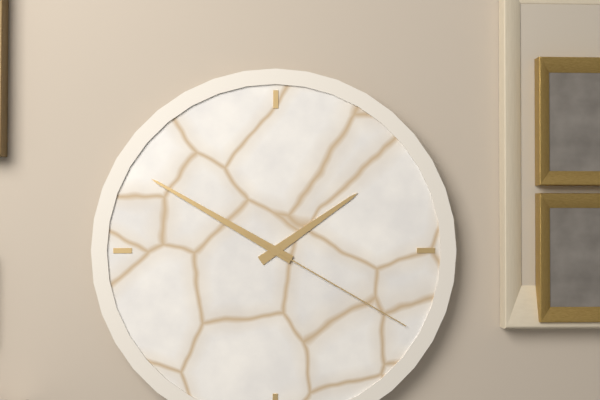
1,50,20
